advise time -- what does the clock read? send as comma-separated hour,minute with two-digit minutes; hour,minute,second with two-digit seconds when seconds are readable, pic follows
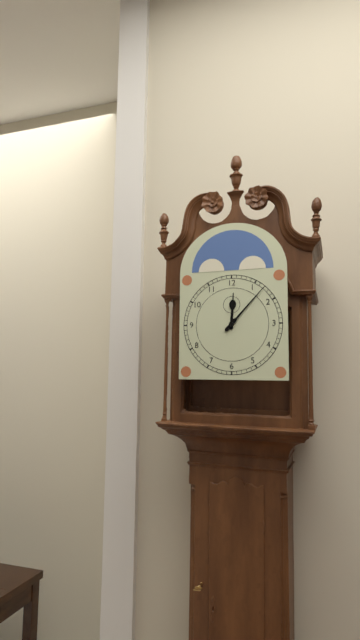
12,07
